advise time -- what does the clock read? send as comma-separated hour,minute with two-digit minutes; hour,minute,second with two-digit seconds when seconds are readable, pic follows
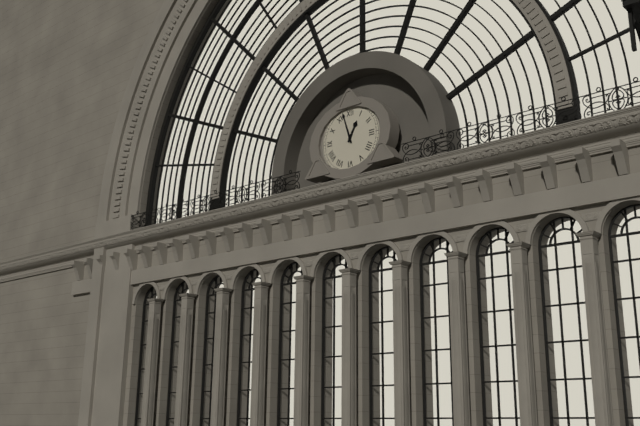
12,57
